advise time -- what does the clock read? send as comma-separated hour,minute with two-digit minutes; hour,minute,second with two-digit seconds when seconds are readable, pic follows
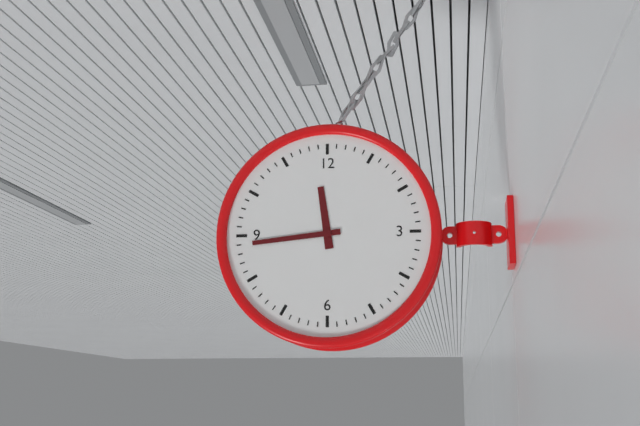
11,44
